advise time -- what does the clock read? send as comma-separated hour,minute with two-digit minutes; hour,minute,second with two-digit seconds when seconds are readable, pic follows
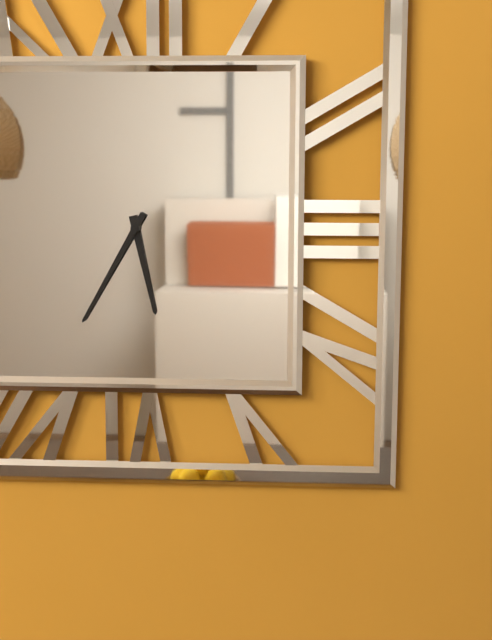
5,35
